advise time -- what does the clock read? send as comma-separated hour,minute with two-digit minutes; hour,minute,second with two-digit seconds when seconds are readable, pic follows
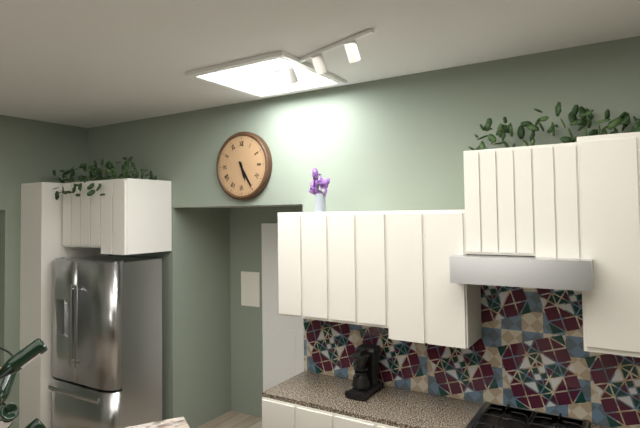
5,25
